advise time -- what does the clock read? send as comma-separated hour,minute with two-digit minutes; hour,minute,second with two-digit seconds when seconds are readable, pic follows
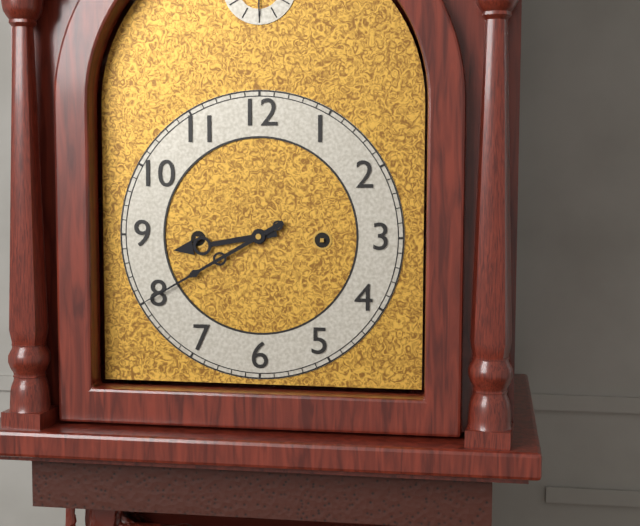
8,40
